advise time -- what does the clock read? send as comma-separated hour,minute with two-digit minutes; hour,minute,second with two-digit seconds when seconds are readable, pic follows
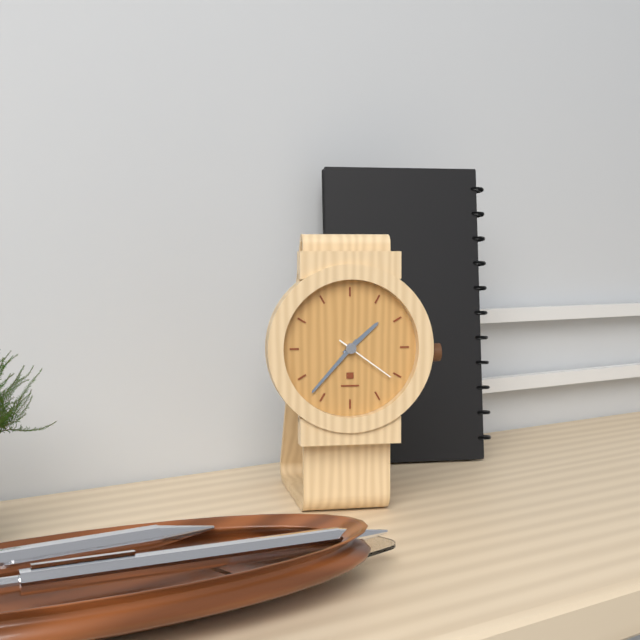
1,37,21
